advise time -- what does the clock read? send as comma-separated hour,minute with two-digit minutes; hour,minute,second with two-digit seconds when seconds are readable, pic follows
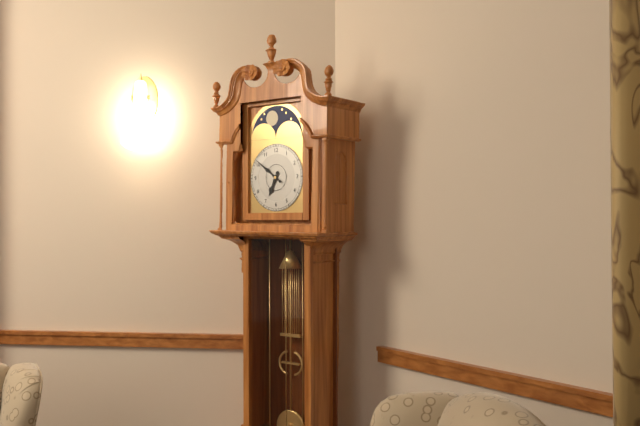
6,51
